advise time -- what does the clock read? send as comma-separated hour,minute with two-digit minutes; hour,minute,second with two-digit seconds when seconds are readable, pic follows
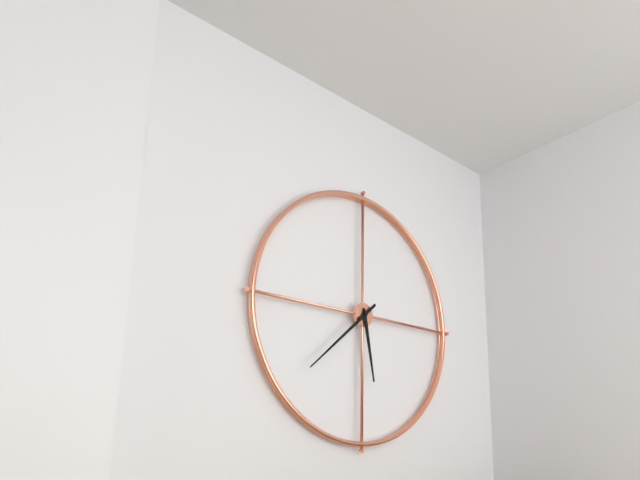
5,38
